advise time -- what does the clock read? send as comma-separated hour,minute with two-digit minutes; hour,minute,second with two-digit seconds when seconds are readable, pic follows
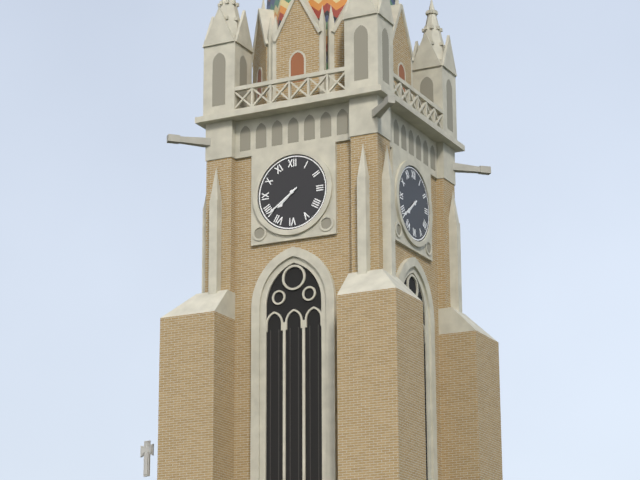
7,39
